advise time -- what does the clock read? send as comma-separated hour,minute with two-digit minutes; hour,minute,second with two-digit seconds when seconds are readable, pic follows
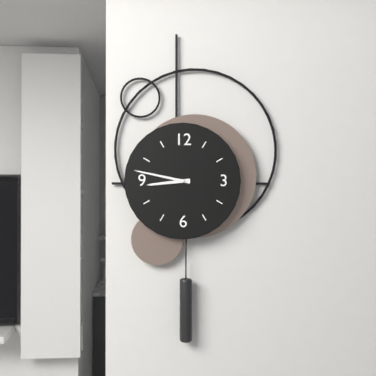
8,47
